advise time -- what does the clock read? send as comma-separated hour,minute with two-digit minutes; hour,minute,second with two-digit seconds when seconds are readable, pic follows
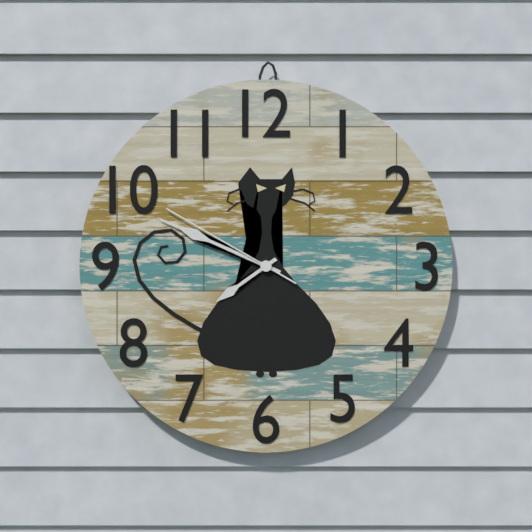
7,49,50
